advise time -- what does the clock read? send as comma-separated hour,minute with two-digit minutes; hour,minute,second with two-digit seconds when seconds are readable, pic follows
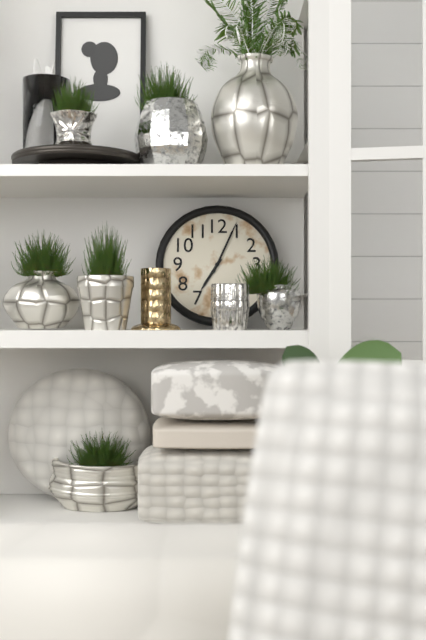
7,04
